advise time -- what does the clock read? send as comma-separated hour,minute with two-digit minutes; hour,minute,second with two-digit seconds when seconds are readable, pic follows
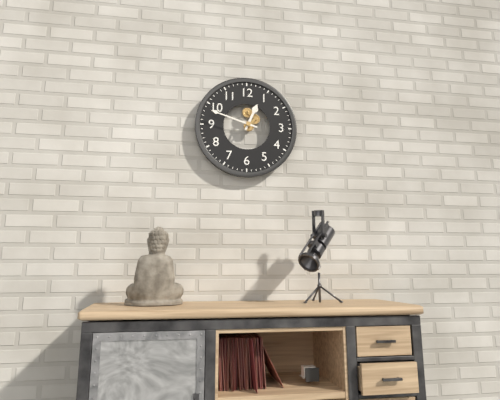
12,48
